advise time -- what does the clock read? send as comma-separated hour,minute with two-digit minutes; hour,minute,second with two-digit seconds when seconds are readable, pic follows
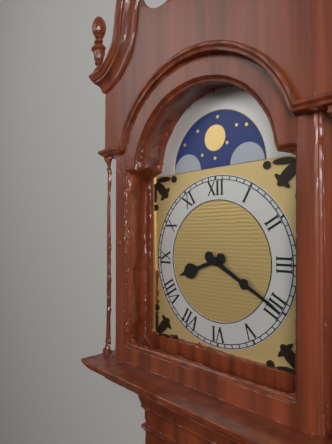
8,20
